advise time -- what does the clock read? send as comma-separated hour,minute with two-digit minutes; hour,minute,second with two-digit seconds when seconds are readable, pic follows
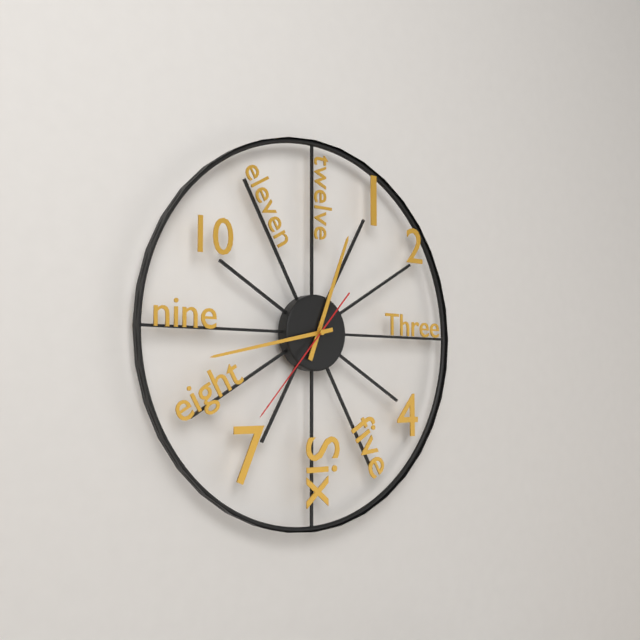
12,43,37
